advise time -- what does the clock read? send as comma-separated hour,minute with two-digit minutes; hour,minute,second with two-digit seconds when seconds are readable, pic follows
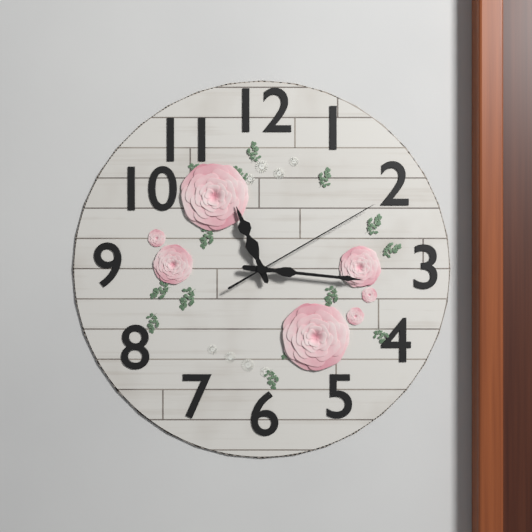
11,16,10
